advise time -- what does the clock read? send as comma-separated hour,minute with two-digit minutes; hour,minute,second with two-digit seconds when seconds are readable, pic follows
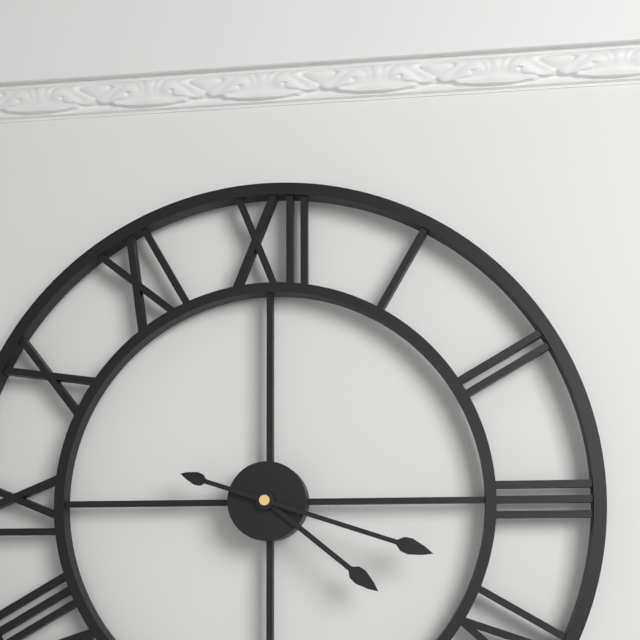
4,18
